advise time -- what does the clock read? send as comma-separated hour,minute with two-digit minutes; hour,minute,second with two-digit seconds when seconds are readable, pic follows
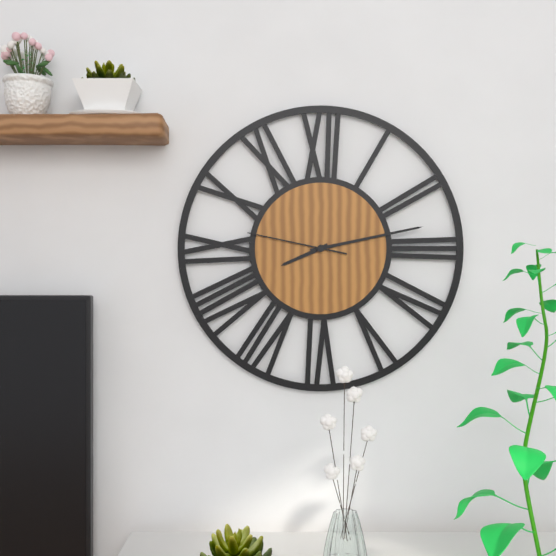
8,13,47
